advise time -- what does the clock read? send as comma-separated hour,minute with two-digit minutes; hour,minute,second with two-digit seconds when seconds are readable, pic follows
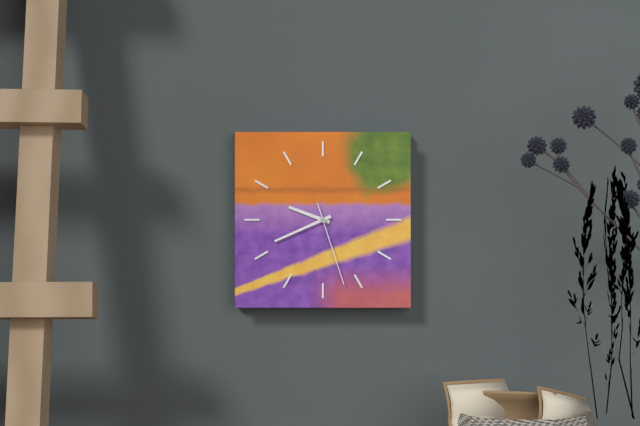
9,41,27
